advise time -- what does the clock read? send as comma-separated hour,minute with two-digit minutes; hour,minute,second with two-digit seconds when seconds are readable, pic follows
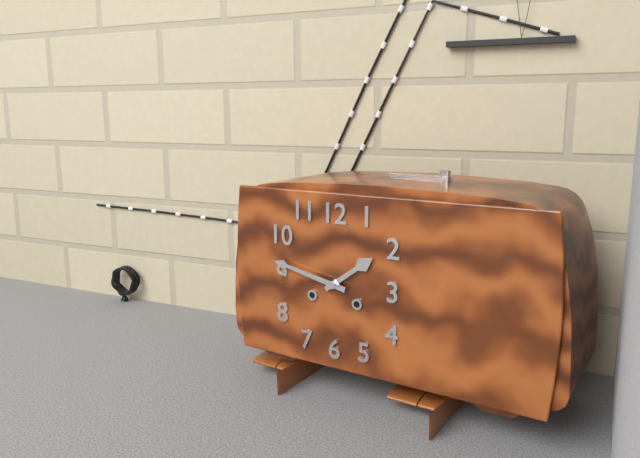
1,47
